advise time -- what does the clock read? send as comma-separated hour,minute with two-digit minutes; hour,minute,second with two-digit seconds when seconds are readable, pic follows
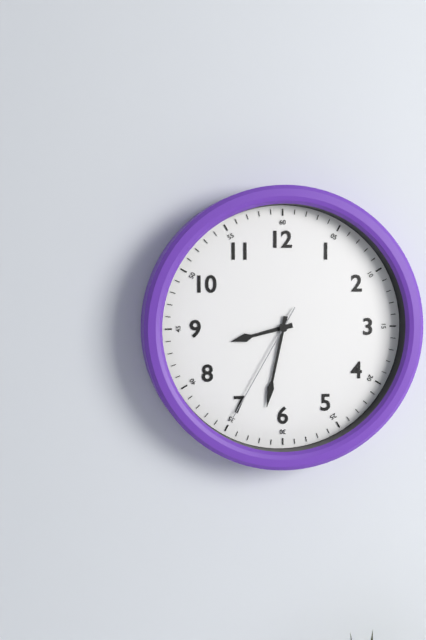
8,32,35
